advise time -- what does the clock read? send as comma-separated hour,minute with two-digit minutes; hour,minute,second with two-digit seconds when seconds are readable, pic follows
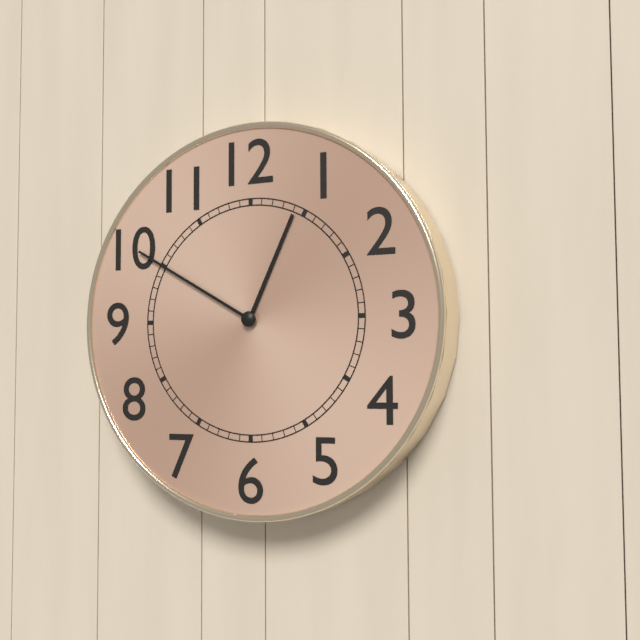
12,50
